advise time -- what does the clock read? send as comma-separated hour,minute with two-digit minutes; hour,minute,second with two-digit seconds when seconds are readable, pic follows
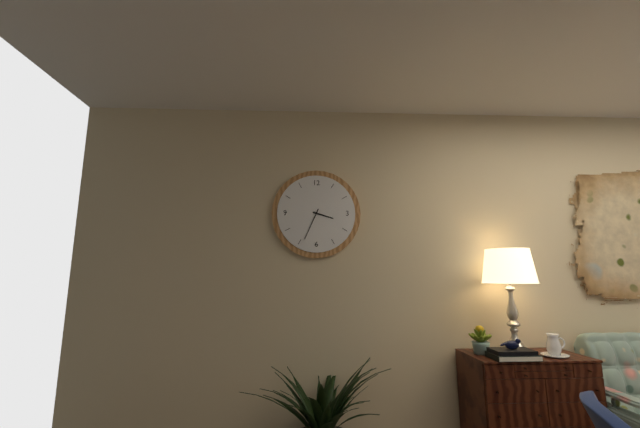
3,34
